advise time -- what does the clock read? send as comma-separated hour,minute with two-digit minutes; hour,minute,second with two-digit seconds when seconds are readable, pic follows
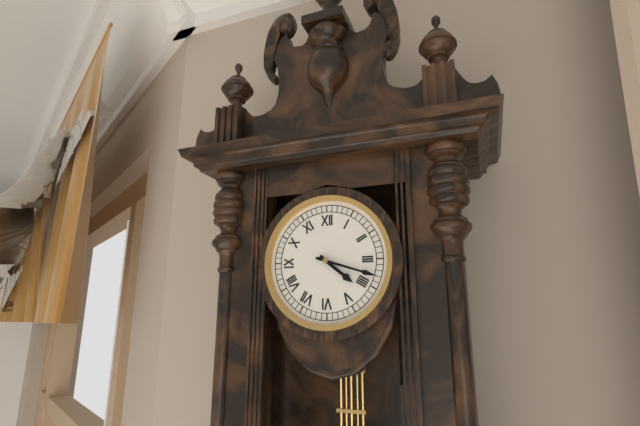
4,18
